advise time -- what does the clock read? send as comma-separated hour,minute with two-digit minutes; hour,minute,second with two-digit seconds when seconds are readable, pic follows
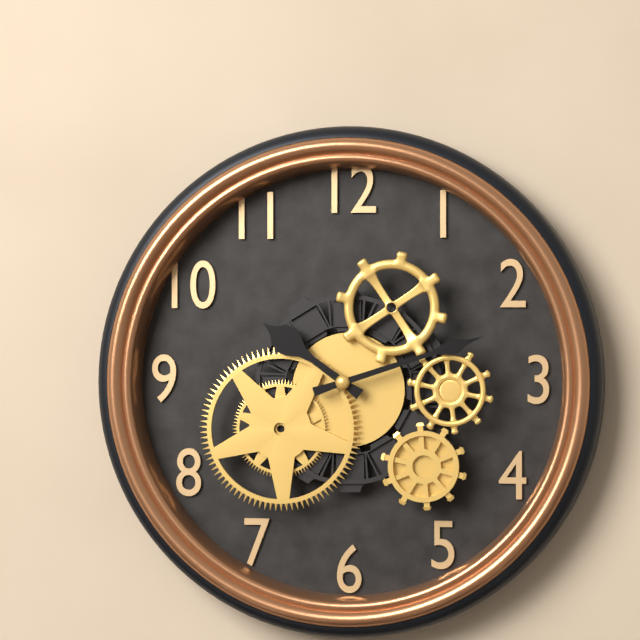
10,12
